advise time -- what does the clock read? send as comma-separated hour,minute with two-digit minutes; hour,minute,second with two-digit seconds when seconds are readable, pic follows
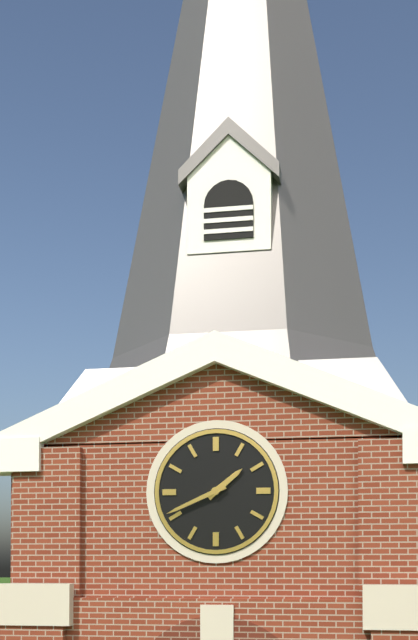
1,41
